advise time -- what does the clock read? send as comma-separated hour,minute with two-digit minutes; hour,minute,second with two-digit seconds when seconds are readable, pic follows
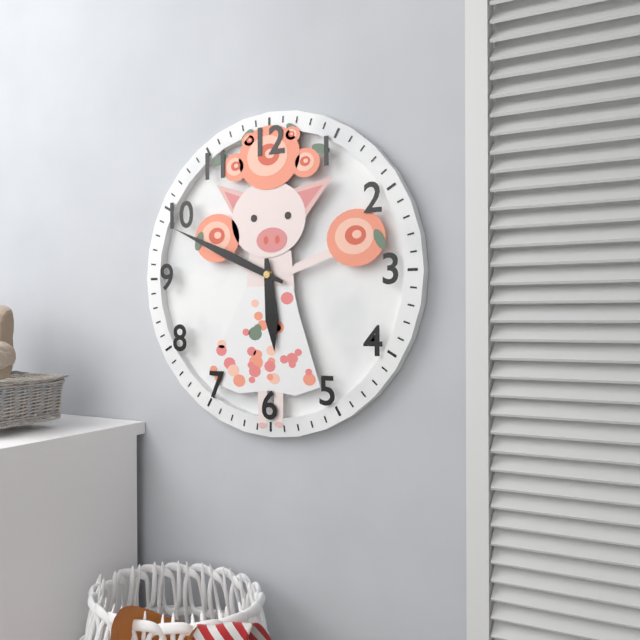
5,49
